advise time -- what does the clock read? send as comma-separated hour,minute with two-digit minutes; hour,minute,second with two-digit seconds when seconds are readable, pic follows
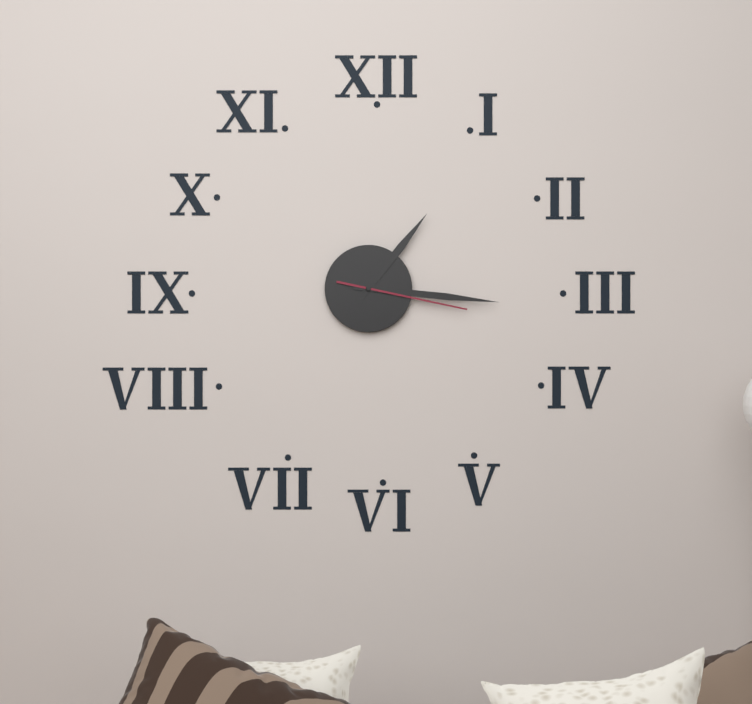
1,16,17
